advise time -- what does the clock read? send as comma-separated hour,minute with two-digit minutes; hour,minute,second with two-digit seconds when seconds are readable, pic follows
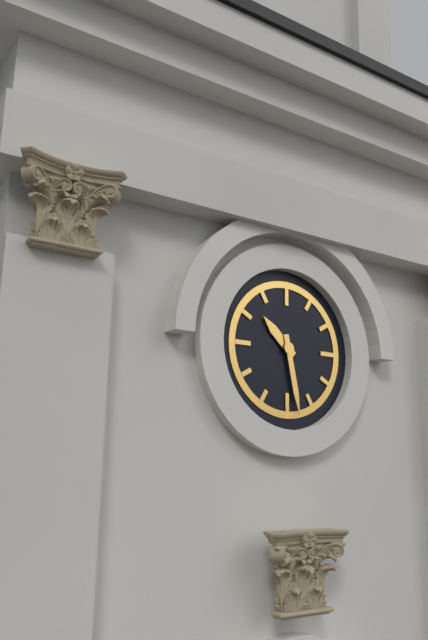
10,28
